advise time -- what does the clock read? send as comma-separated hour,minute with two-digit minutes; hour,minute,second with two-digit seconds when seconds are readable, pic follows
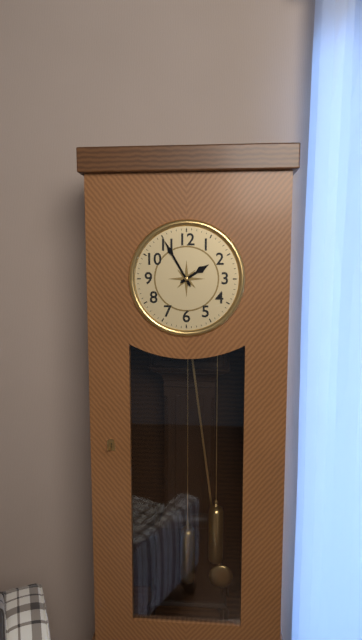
1,55
